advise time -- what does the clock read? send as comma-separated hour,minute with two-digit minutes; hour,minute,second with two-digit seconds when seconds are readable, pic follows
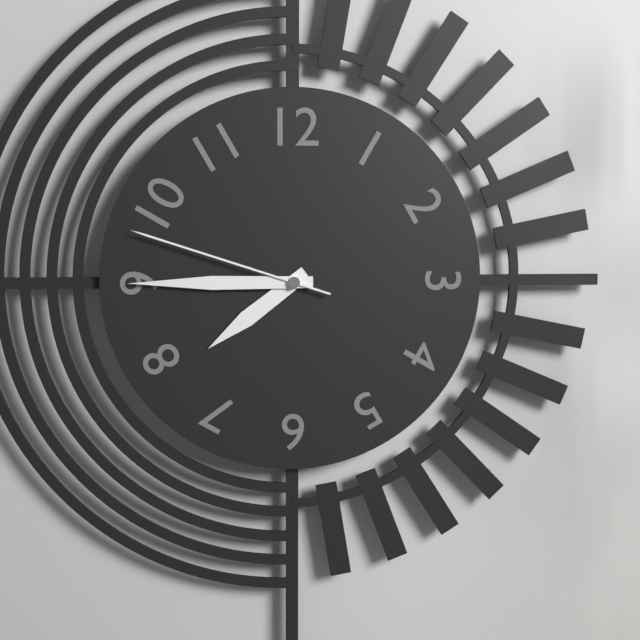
7,45,48
